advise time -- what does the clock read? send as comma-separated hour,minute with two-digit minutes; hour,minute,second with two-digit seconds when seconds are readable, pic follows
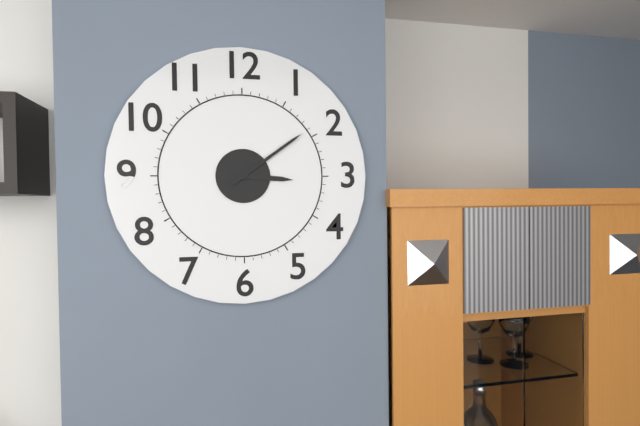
3,09
